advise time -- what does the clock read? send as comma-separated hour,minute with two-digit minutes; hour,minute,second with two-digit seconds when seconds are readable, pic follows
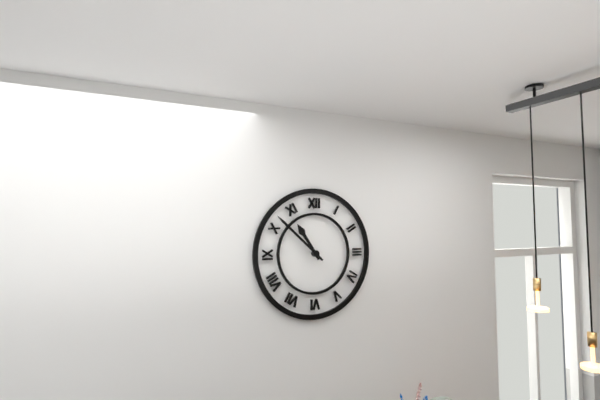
10,52
